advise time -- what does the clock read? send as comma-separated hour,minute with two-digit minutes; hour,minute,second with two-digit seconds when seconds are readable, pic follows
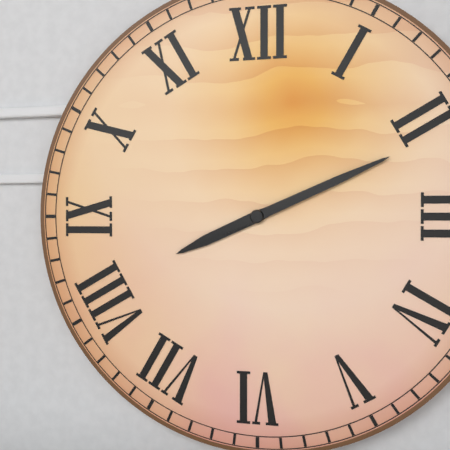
8,11
